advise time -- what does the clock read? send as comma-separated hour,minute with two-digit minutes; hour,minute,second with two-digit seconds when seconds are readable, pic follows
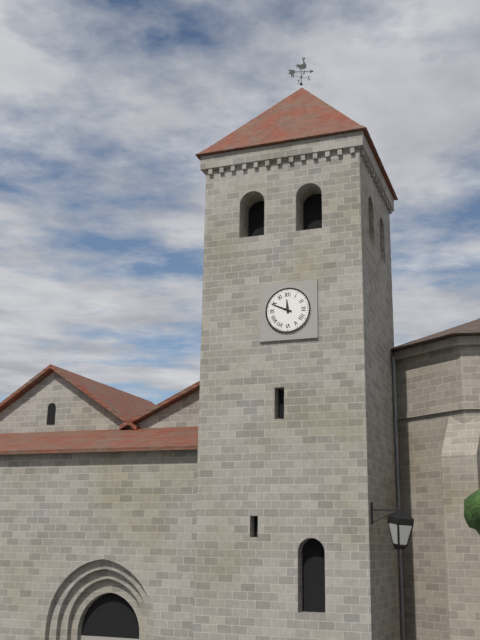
11,49
